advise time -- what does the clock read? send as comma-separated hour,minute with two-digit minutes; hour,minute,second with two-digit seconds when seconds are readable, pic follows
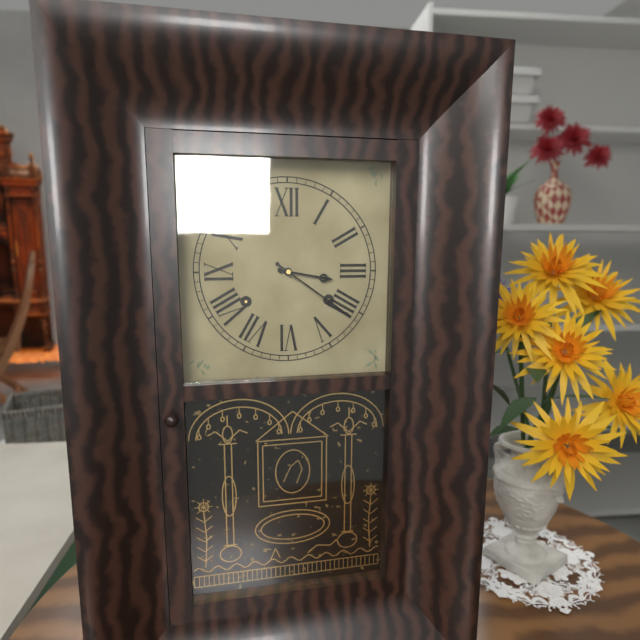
3,21
